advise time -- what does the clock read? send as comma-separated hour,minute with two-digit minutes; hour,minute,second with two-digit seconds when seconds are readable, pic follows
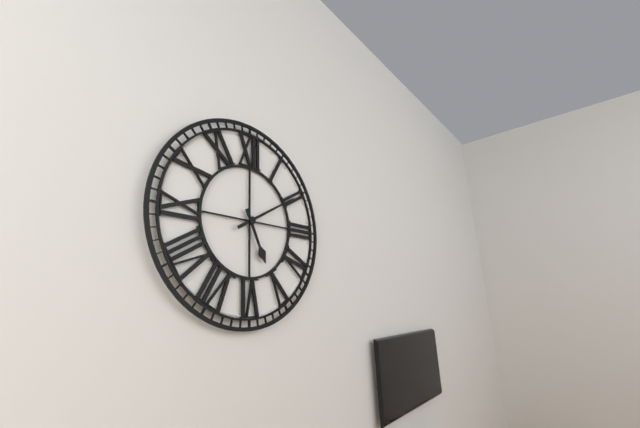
5,10
